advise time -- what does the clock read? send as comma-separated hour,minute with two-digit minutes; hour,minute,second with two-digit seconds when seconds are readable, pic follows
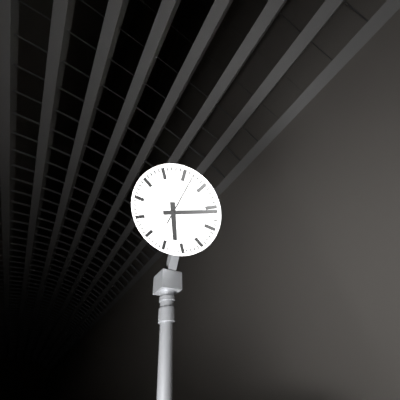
7,21
